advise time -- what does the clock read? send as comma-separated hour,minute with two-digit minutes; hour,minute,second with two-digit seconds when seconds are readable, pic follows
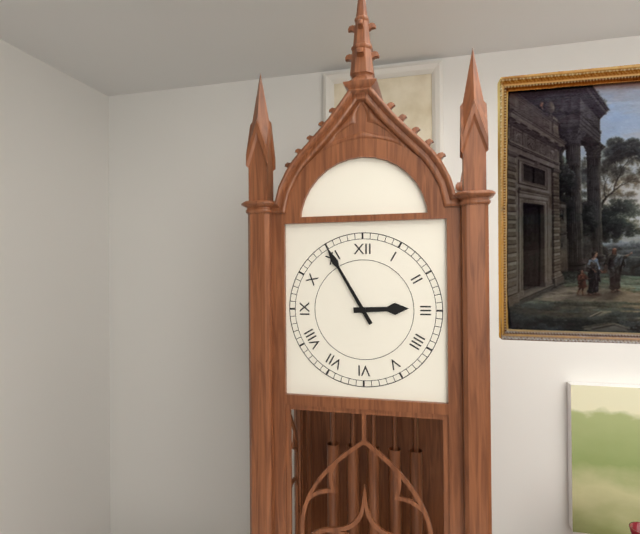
2,55
